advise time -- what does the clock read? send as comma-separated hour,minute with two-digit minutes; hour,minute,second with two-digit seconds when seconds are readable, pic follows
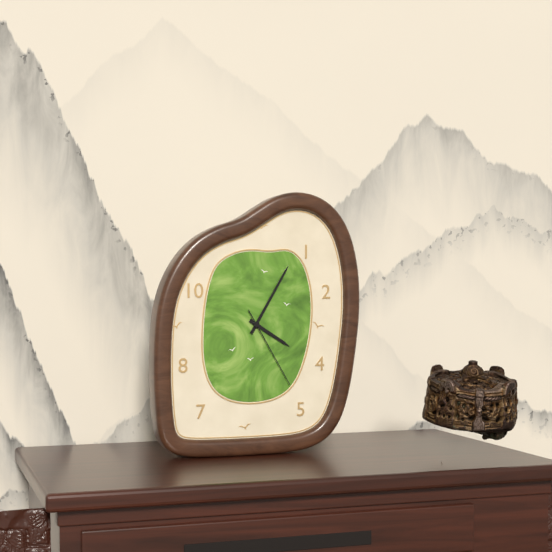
4,05,25
